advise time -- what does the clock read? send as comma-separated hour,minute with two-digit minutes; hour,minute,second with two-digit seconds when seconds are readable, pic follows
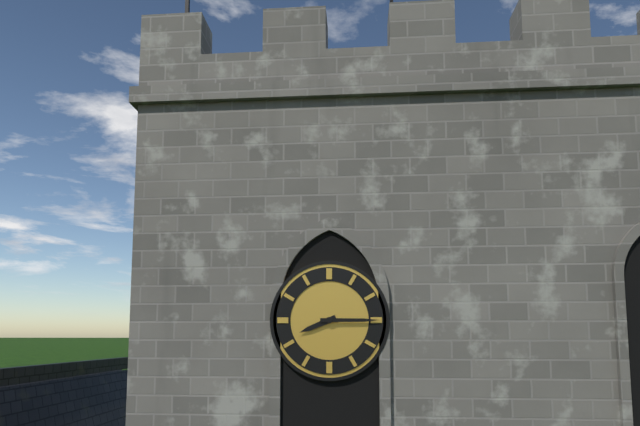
8,15
